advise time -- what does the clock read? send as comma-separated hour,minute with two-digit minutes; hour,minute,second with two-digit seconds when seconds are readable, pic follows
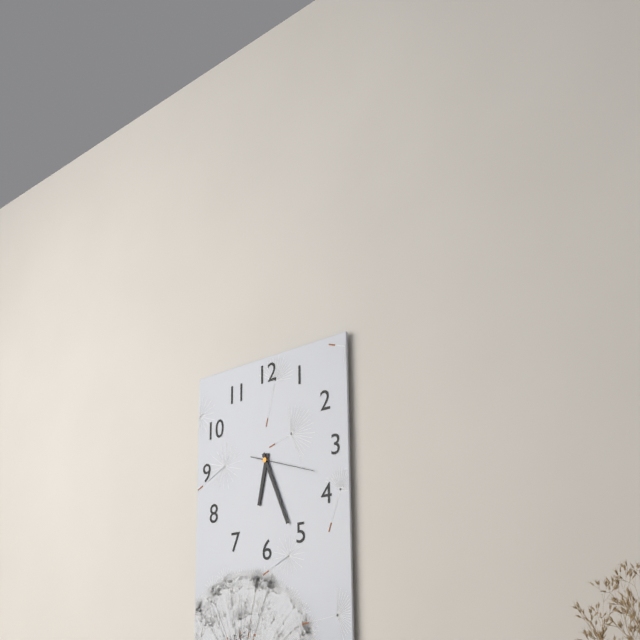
6,26,18
